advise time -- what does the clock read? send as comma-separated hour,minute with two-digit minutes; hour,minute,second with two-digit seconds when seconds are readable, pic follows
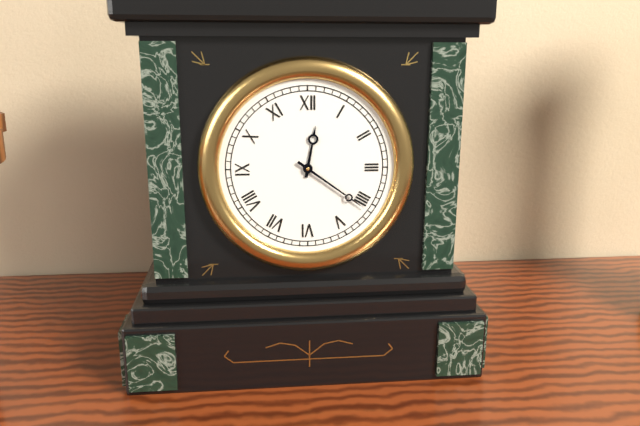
12,21
